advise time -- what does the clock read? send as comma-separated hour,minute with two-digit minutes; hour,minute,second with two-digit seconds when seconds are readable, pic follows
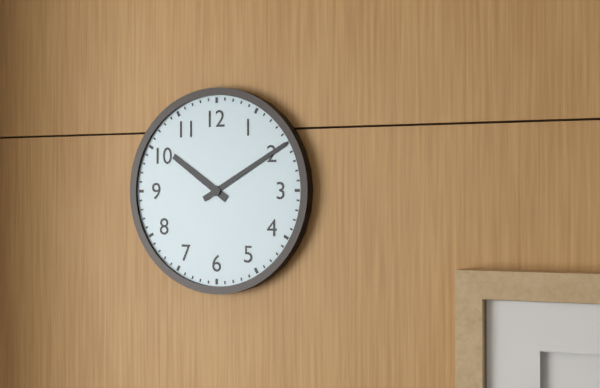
10,10
